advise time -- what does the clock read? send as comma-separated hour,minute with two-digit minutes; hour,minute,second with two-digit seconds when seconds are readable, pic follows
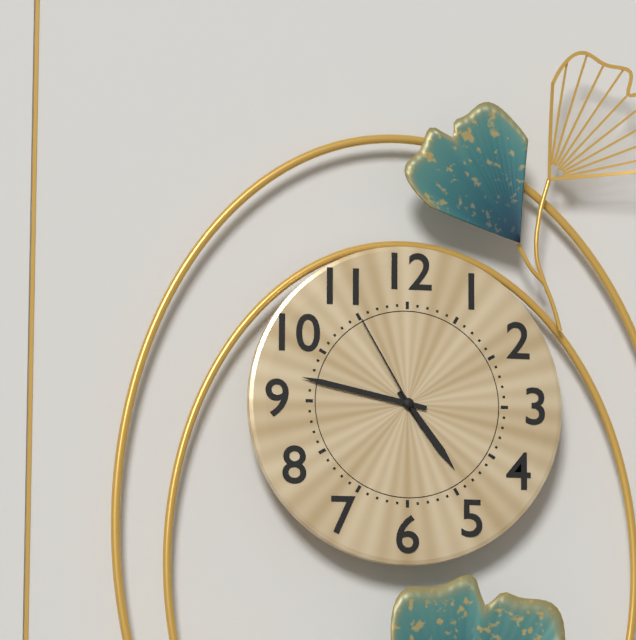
4,47,55
